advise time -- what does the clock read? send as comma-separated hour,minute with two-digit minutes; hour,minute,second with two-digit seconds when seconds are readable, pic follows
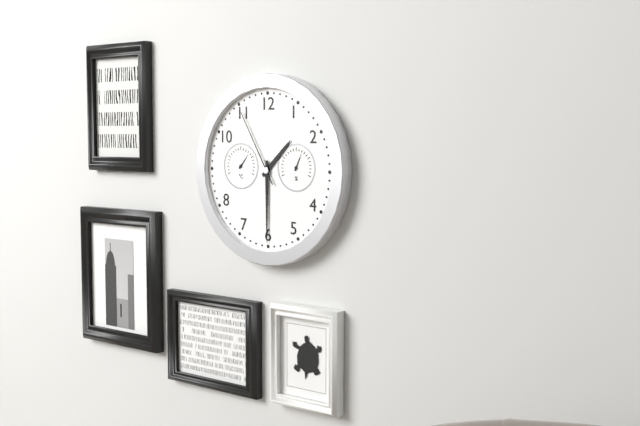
1,30,55
